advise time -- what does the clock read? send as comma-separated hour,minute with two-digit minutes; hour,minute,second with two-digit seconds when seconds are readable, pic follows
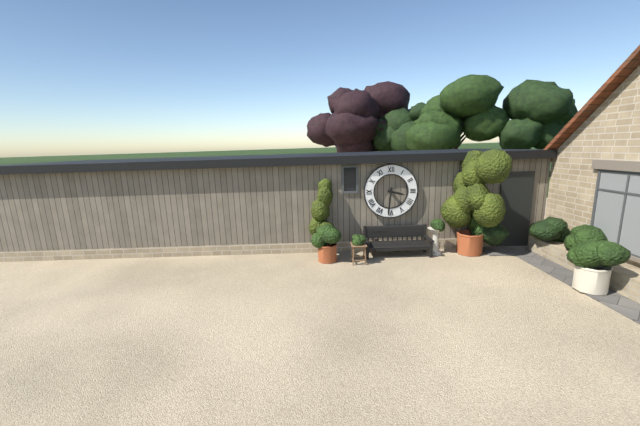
3,31
